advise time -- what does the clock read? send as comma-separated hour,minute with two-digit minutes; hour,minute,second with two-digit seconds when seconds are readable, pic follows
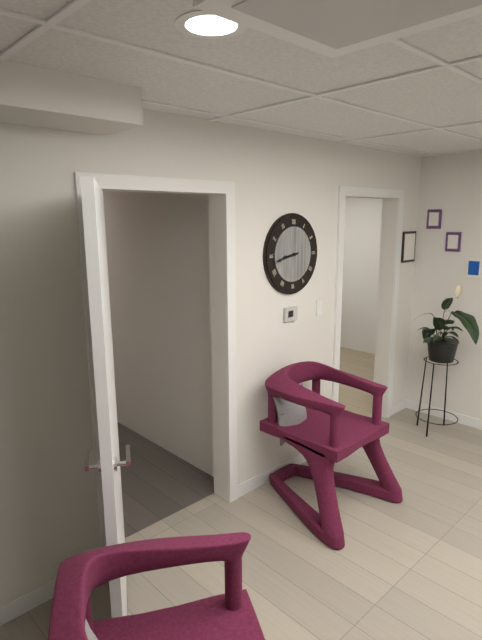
8,43
